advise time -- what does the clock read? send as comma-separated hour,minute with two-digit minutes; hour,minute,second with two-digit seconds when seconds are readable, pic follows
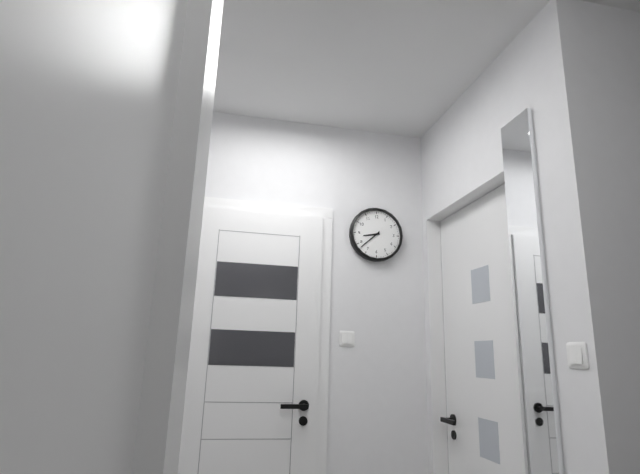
8,38
